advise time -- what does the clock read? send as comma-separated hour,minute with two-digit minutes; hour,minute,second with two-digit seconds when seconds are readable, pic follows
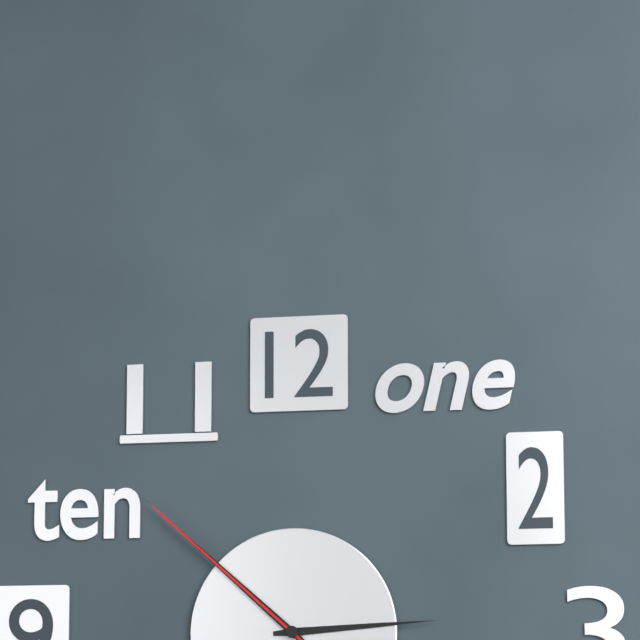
2,52,52
